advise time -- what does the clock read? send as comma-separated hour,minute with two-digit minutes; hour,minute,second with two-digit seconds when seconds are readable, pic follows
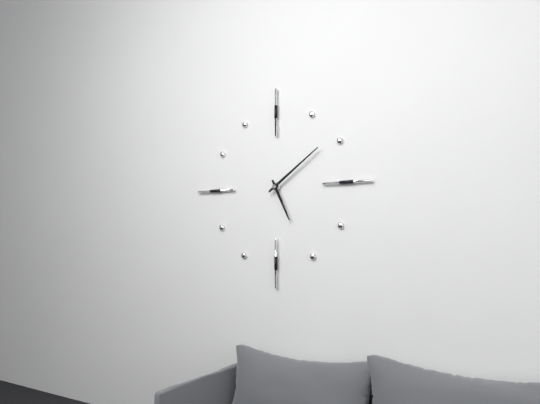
5,09
